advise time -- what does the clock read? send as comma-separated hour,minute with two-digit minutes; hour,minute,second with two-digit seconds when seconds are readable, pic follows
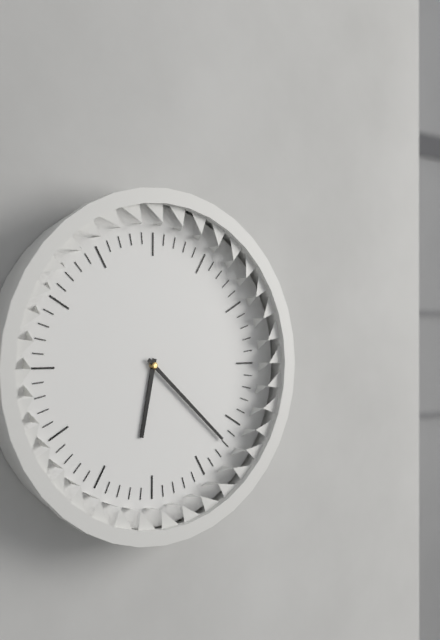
6,22
